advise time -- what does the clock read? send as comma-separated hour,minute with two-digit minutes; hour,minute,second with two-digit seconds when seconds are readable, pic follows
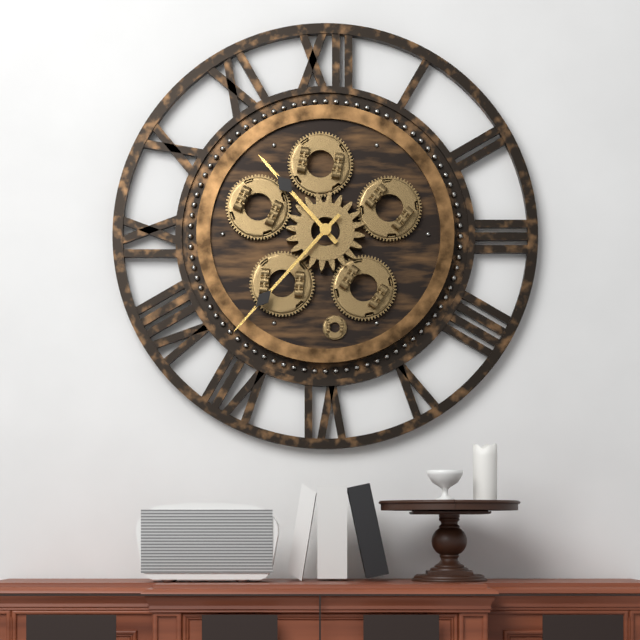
10,37
